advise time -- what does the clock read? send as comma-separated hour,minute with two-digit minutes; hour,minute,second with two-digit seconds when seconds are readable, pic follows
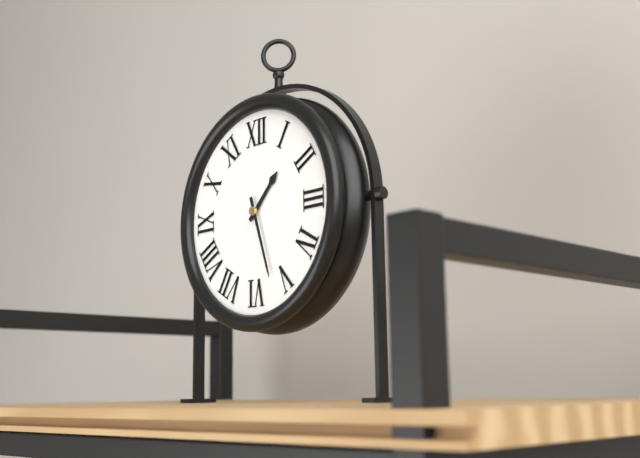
1,27
